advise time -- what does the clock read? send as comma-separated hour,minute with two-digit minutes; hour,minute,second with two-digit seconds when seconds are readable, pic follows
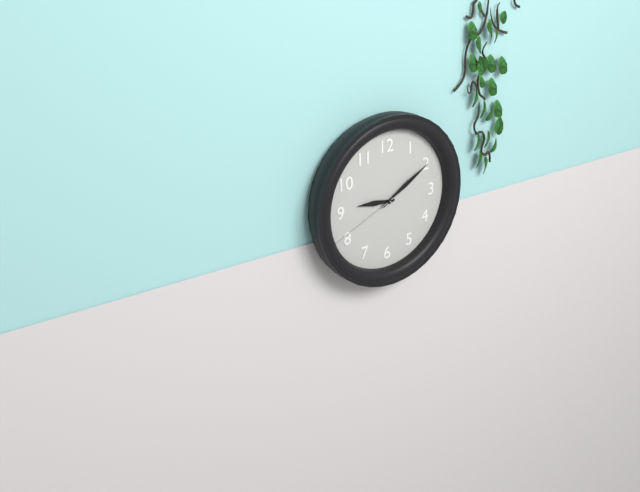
9,10,41
